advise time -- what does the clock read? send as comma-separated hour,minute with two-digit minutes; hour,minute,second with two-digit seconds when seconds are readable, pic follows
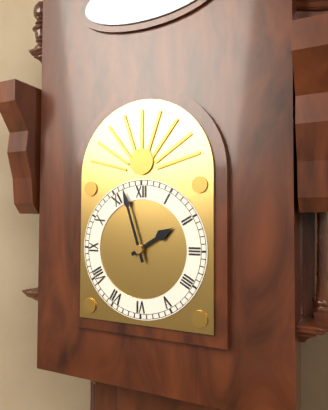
1,57
